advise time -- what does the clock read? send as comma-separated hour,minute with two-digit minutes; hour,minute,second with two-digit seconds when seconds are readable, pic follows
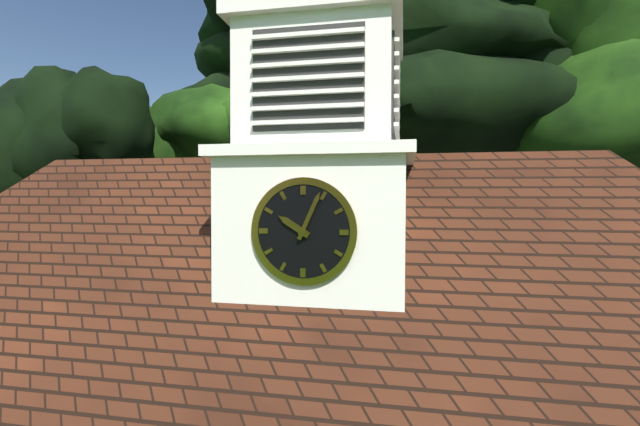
10,04
